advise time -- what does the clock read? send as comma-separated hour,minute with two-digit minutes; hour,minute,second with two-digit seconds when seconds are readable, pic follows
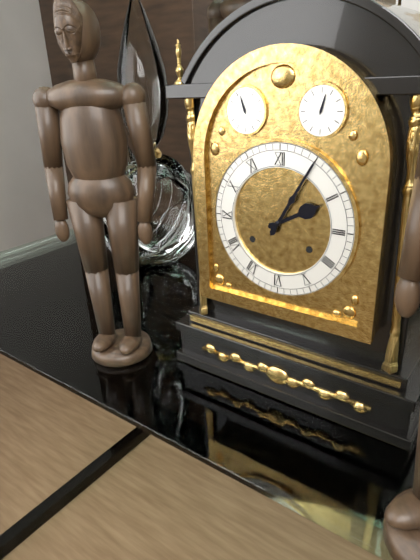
2,05
